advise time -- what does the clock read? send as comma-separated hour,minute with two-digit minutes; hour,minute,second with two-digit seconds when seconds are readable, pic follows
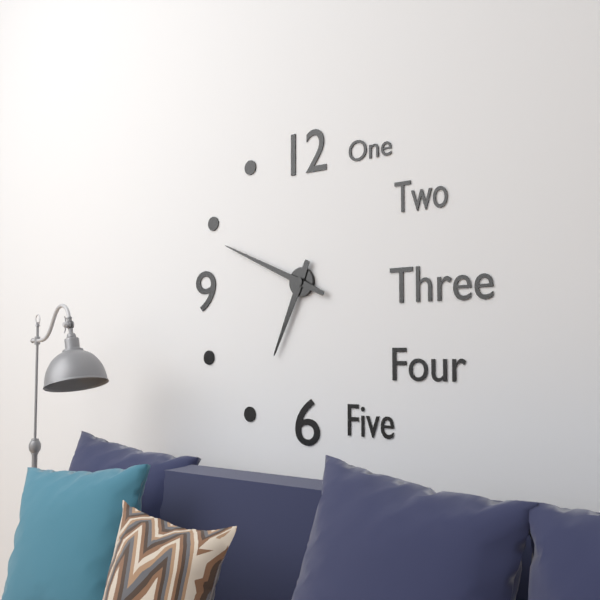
6,49
